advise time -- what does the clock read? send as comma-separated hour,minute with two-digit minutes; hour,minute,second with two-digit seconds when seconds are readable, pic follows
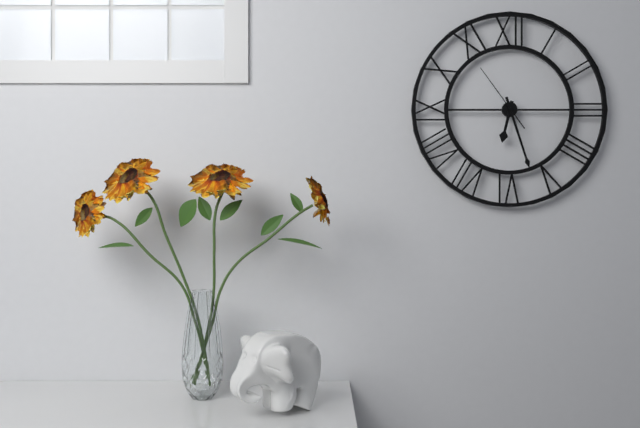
6,27,54
